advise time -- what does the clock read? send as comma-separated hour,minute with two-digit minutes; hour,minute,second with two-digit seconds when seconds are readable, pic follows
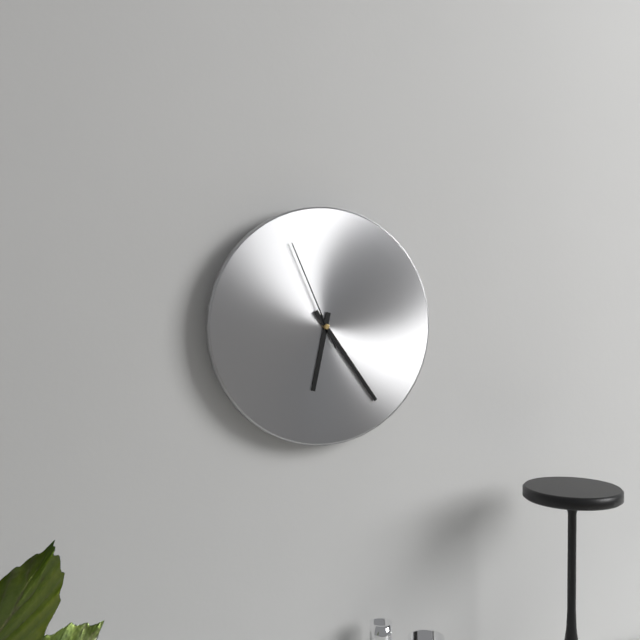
6,24,56
